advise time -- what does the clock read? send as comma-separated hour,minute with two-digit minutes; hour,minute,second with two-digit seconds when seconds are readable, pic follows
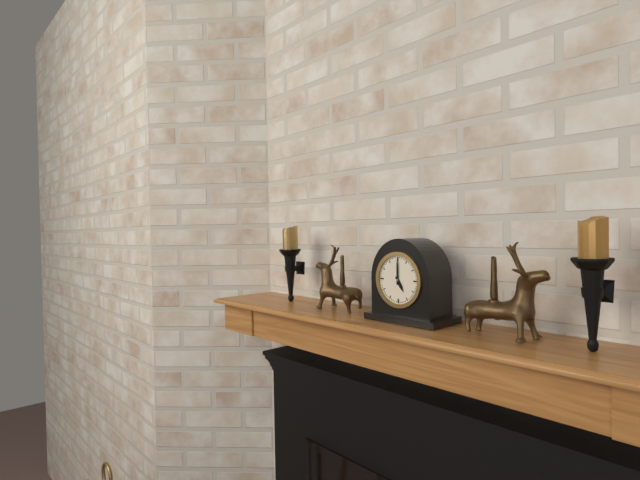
5,00
